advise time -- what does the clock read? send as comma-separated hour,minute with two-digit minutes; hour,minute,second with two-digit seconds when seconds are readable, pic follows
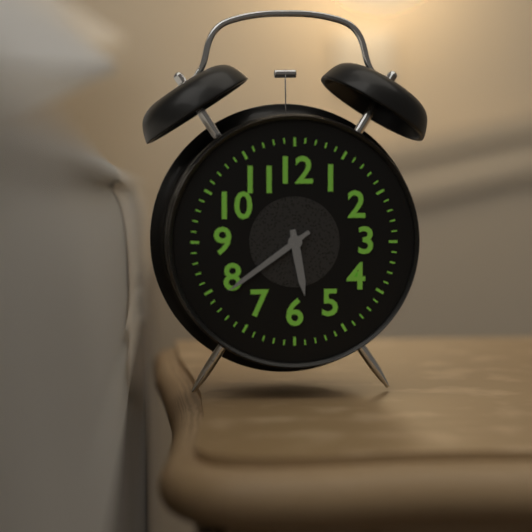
5,39
